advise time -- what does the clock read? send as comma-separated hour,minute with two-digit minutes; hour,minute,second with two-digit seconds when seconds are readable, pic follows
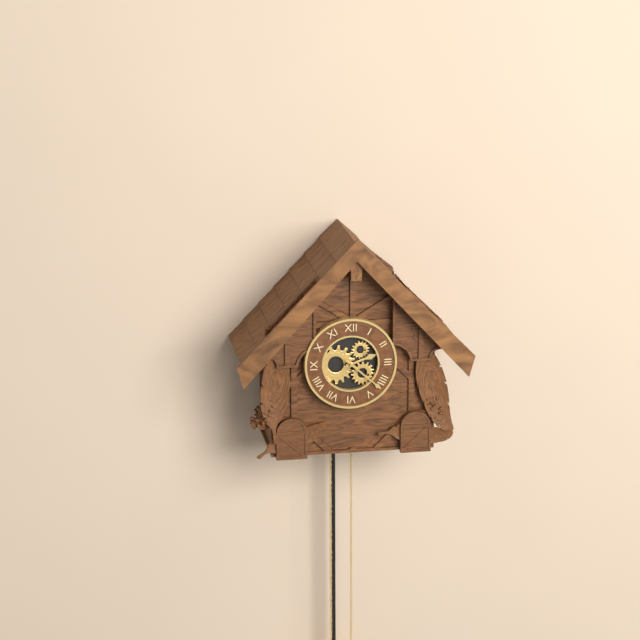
2,22
